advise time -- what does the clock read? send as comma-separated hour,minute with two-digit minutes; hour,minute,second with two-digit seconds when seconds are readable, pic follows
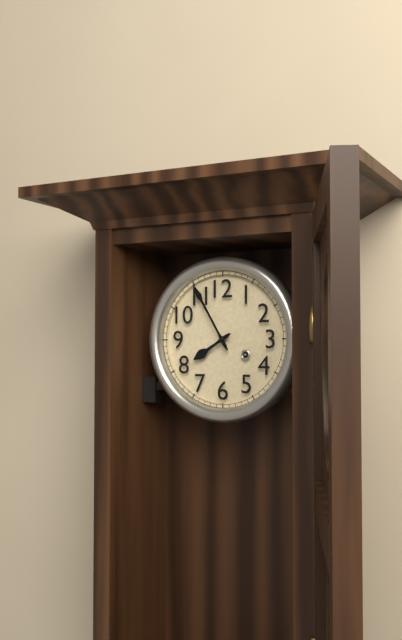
7,55
